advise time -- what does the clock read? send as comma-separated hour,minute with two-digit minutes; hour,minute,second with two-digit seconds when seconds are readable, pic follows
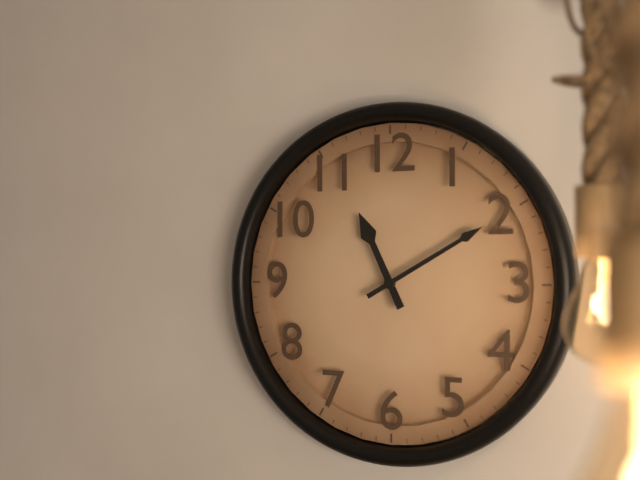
11,10
